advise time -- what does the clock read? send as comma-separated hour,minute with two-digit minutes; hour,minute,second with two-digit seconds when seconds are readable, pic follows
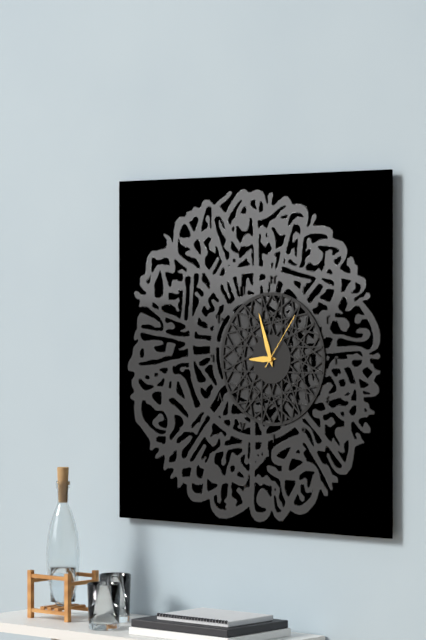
8,57,06
